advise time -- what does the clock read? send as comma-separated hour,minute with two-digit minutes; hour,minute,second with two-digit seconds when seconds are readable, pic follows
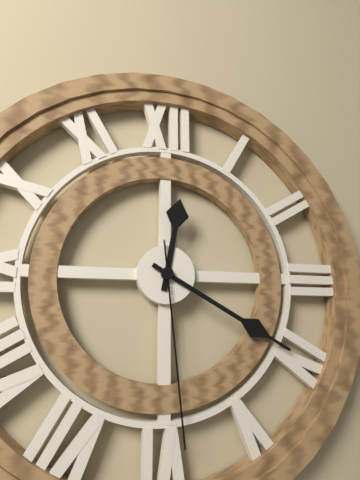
12,20,29
